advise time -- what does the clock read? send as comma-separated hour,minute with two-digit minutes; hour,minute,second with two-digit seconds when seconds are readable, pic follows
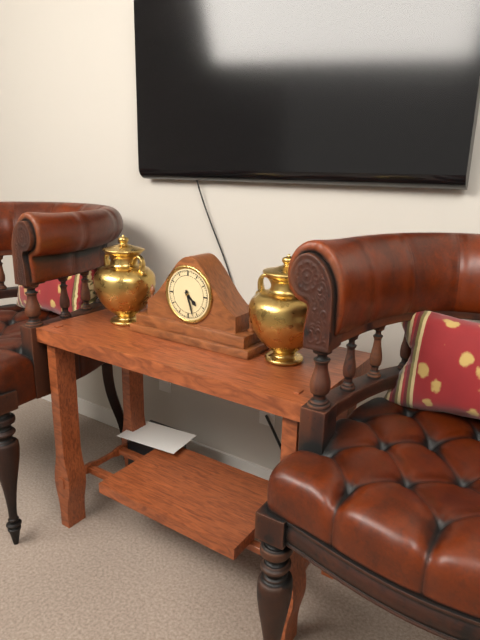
4,27
